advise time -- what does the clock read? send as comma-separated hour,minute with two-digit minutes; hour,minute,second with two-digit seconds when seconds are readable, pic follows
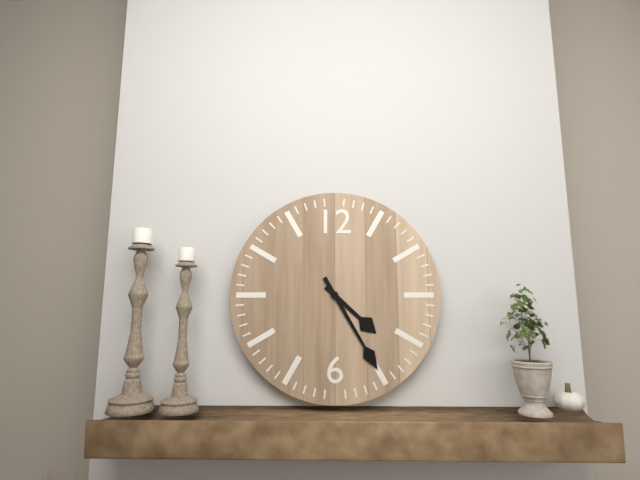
4,25
